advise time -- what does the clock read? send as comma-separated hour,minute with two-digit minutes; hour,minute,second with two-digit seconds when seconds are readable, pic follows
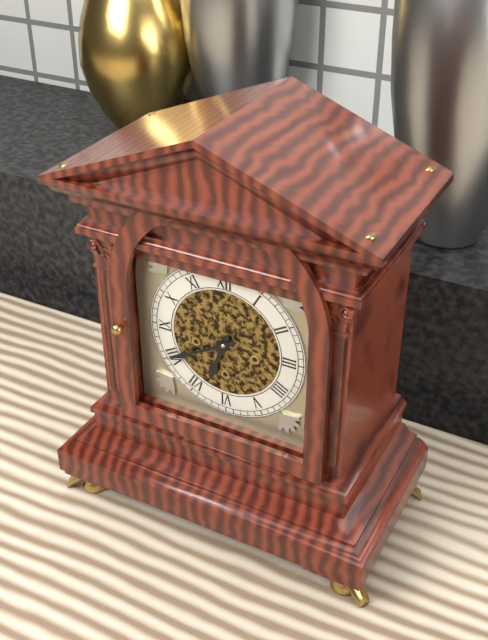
6,40
